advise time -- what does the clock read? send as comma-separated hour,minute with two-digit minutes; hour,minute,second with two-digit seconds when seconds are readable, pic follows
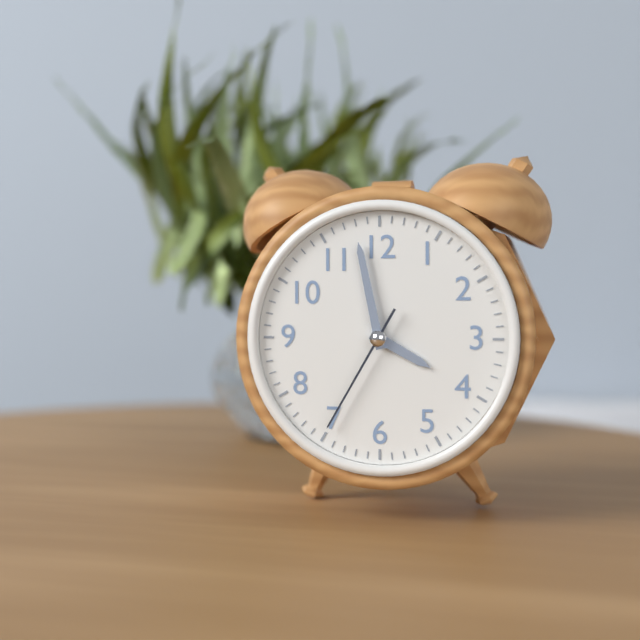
3,58,35
